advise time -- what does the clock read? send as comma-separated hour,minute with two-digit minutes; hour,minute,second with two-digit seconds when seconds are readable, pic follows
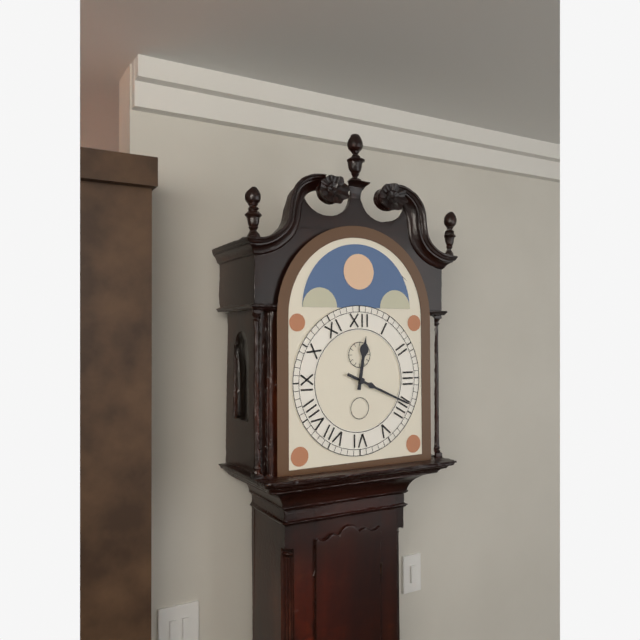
12,19
